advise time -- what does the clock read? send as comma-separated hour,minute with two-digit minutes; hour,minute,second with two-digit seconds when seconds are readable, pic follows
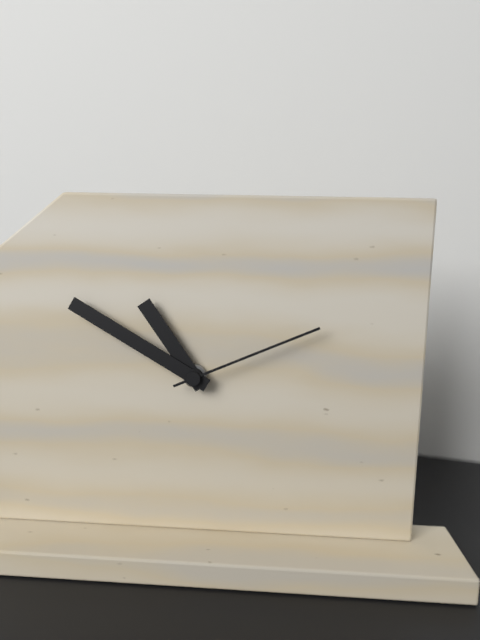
10,50,11
